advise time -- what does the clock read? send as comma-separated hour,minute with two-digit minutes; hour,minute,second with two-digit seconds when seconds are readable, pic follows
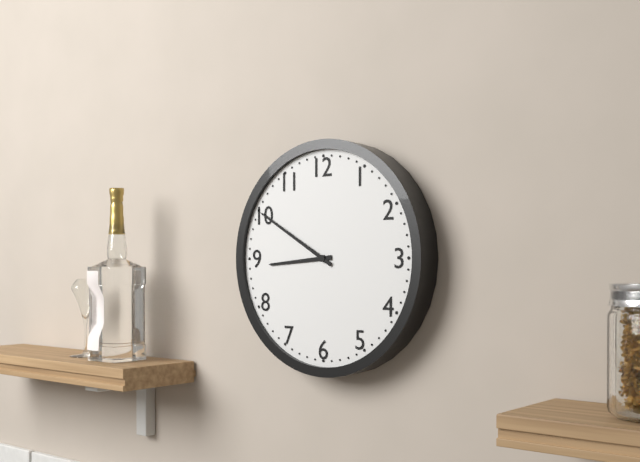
8,50
